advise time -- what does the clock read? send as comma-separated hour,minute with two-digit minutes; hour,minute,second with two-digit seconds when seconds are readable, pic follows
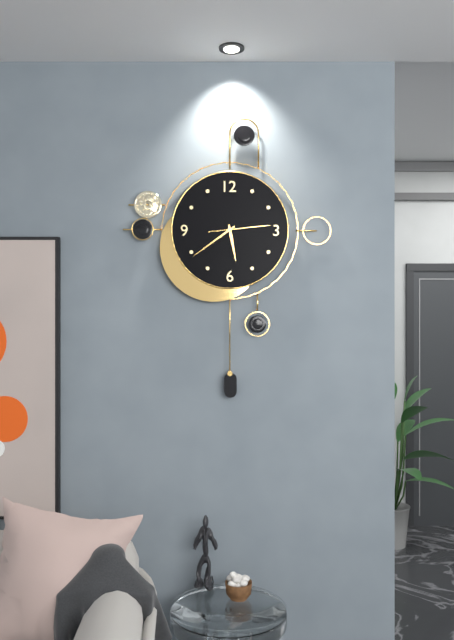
5,39,14
